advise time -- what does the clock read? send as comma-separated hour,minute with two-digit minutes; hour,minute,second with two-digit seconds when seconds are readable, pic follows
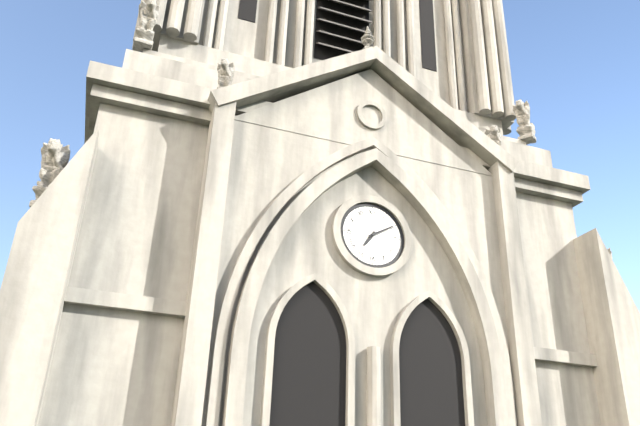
7,10
